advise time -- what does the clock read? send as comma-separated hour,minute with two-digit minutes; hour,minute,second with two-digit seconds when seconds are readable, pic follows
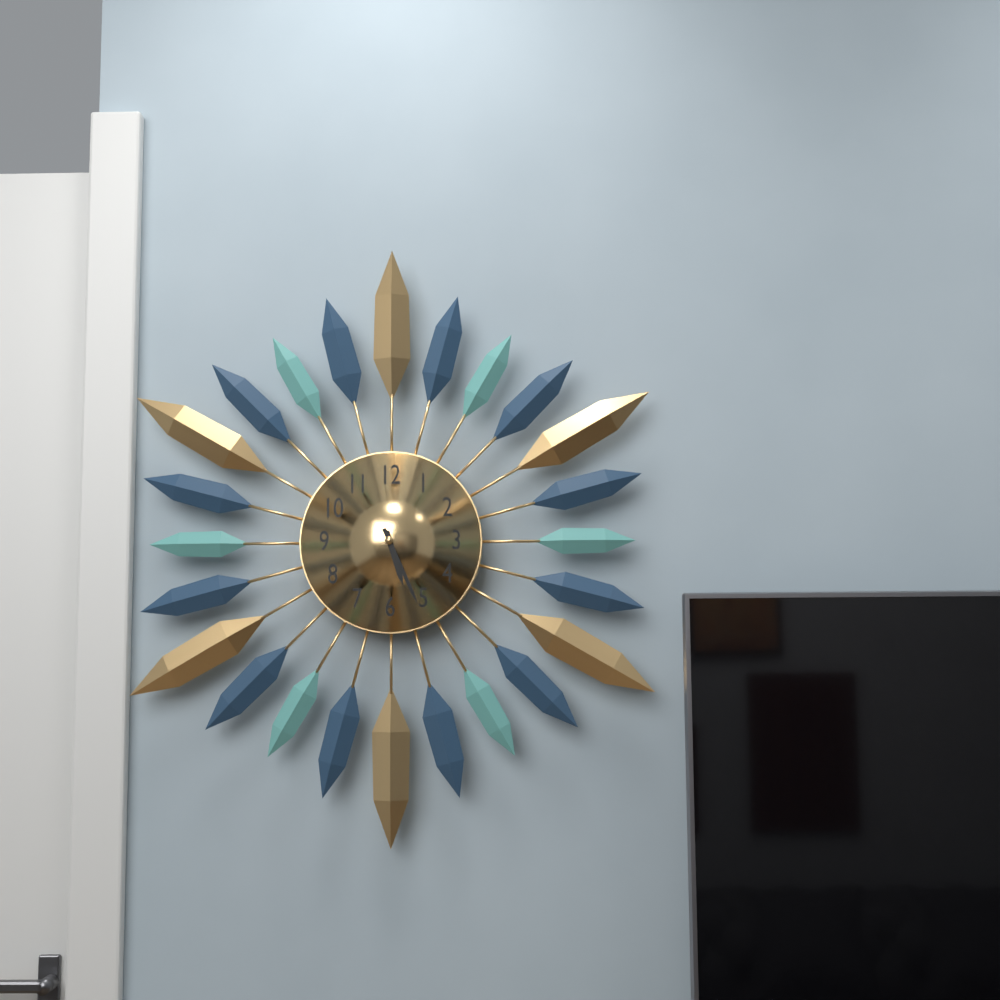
5,26
